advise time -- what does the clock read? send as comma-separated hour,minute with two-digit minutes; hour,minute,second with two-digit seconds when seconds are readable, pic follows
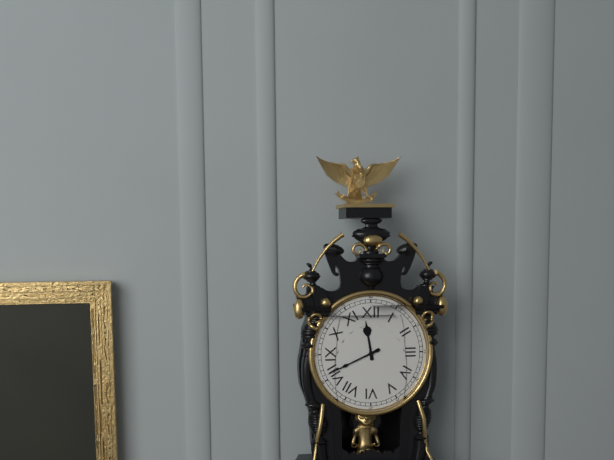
11,41
